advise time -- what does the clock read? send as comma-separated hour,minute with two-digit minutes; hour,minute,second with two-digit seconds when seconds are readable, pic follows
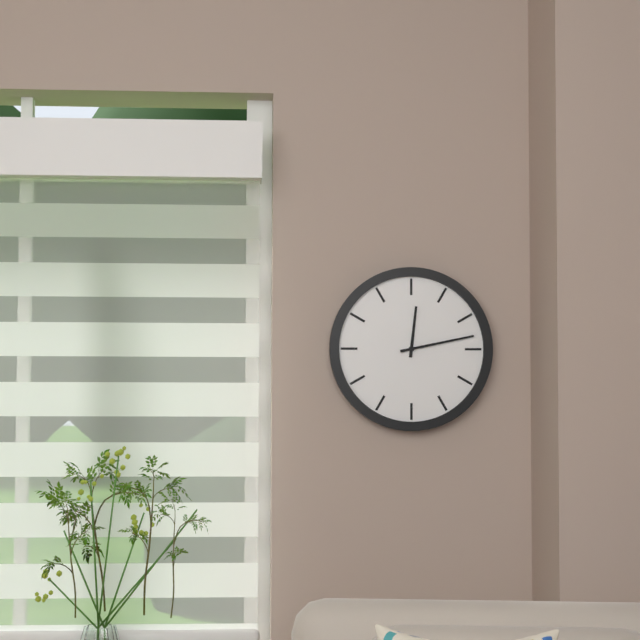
12,13
